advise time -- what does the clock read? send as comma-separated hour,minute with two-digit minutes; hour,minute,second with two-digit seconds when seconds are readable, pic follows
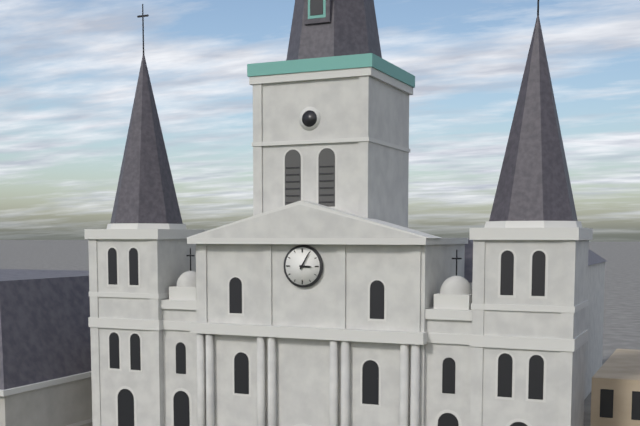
3,05
